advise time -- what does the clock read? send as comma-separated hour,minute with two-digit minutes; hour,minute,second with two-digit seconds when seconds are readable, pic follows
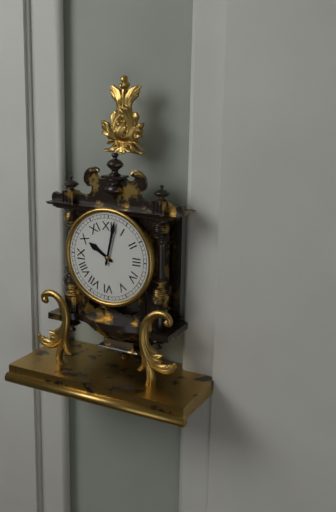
10,02
